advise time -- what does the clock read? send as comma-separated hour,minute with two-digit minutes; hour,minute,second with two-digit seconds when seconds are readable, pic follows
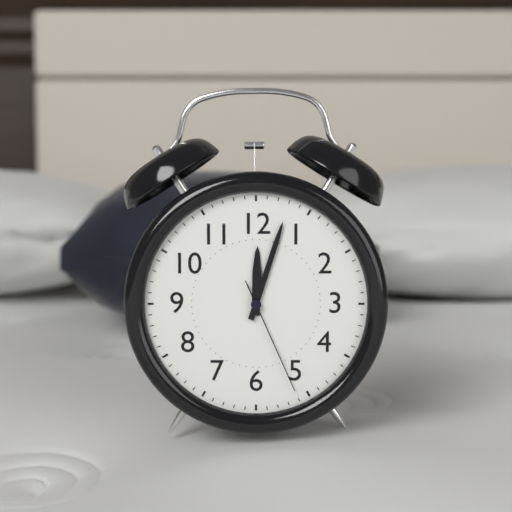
12,03,26
